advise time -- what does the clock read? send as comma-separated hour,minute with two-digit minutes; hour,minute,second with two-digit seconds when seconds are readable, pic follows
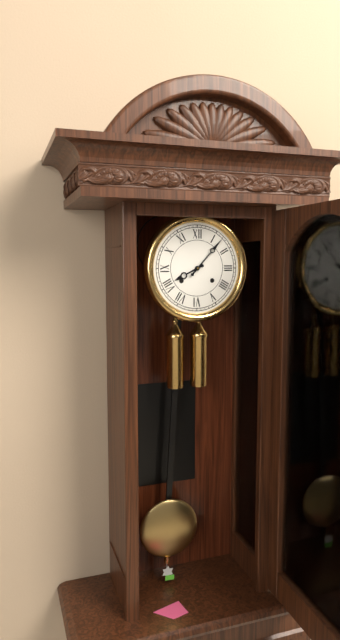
8,07
